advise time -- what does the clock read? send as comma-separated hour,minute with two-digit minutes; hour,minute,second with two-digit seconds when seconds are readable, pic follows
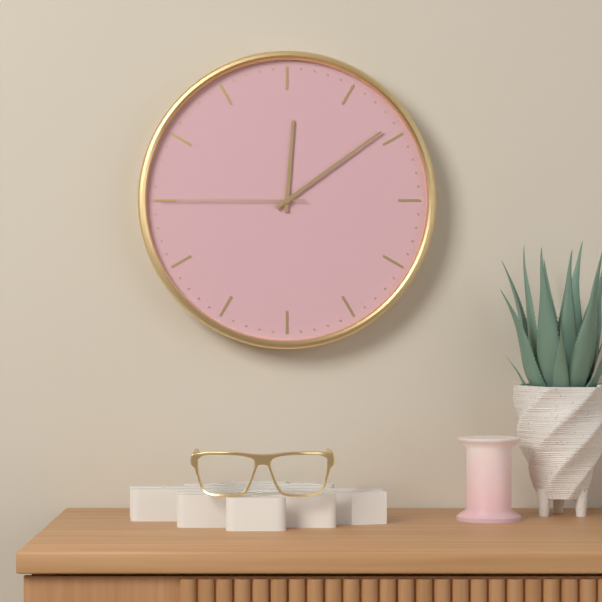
12,09,45
